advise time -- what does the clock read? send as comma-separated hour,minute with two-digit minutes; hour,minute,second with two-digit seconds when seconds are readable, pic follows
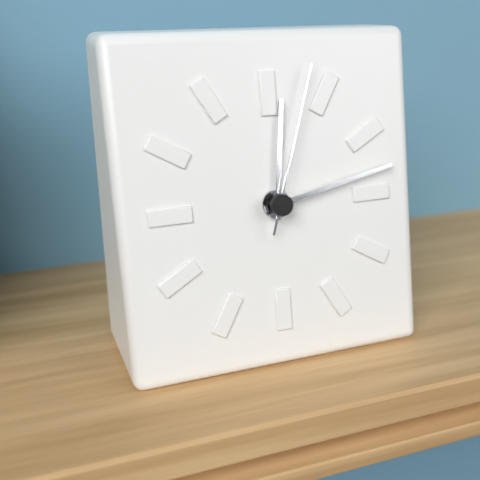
12,13,03
